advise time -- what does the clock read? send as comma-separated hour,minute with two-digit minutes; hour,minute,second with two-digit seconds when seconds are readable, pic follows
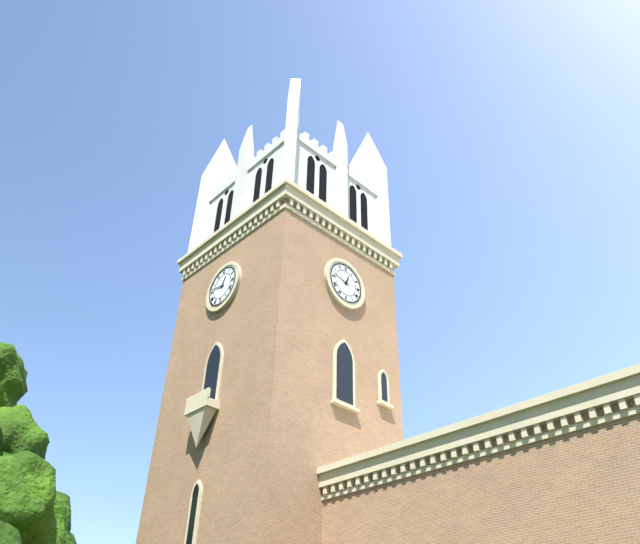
12,47
